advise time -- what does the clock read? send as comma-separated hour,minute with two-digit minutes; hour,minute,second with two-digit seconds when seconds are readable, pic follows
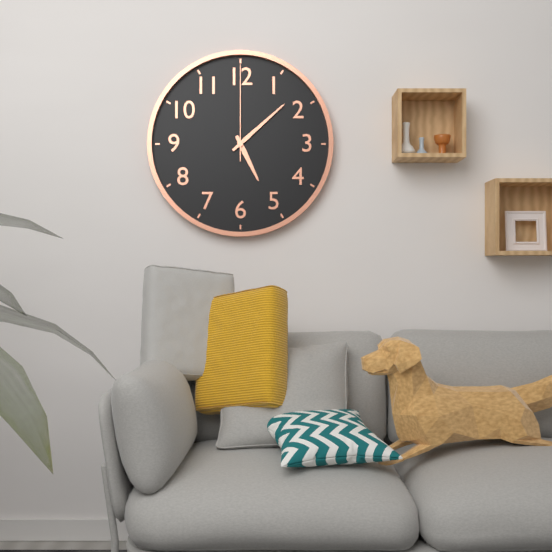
5,08,00
